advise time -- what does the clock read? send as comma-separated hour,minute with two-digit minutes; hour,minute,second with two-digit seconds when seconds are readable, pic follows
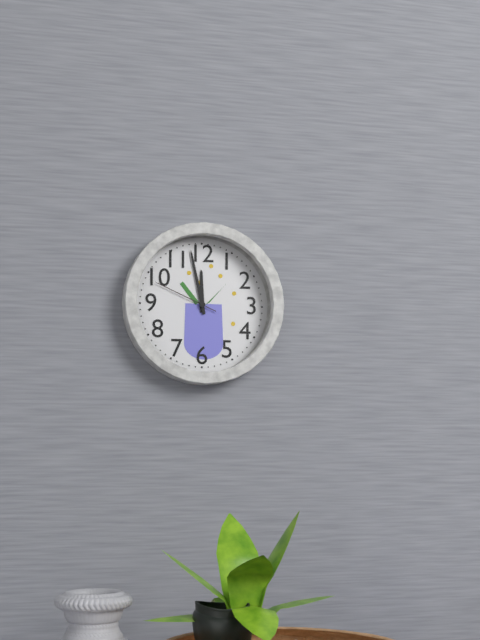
11,58,49
